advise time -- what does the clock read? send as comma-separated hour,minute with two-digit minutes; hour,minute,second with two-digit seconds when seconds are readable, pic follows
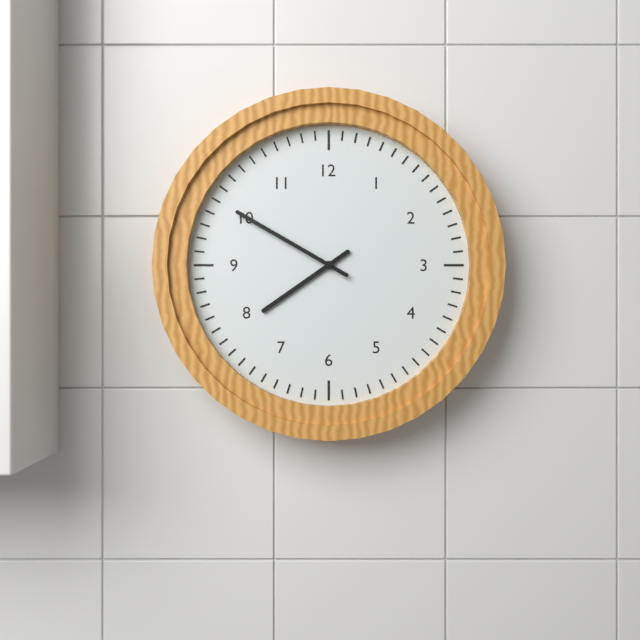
7,50
